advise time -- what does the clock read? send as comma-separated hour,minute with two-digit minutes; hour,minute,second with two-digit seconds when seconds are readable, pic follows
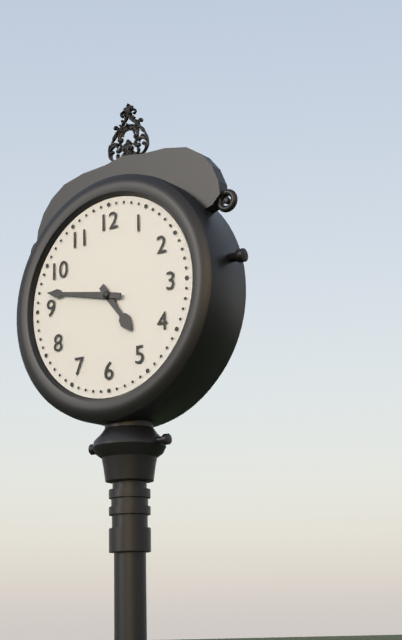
4,47
